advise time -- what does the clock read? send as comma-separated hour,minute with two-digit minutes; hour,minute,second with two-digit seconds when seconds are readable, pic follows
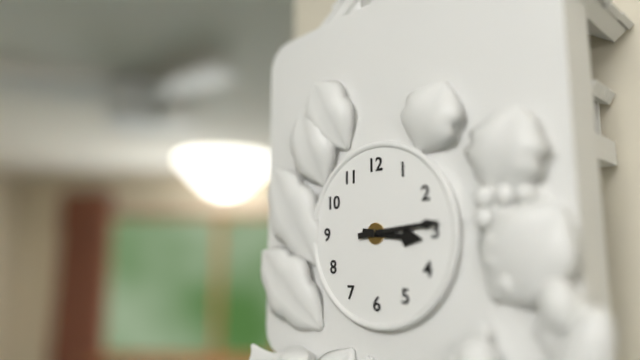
3,14
